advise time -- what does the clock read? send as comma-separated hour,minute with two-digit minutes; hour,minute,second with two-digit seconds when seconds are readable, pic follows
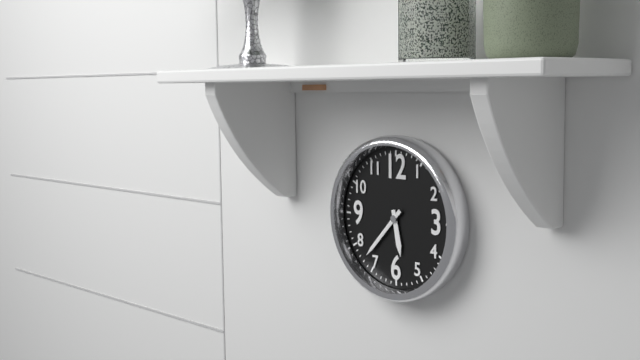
5,37
